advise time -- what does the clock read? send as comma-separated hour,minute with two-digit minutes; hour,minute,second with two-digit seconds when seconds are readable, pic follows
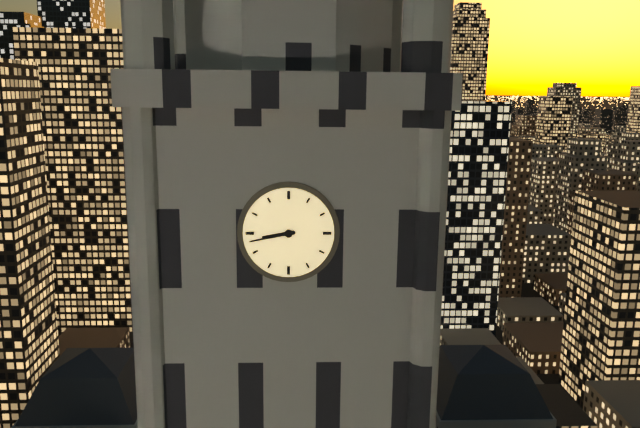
8,43
